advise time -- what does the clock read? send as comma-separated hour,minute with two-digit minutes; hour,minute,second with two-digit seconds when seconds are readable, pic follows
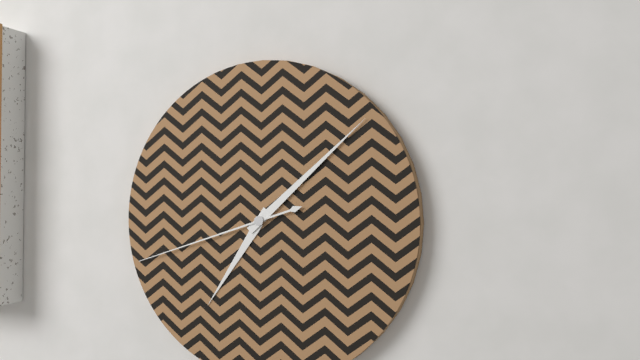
7,08,42
